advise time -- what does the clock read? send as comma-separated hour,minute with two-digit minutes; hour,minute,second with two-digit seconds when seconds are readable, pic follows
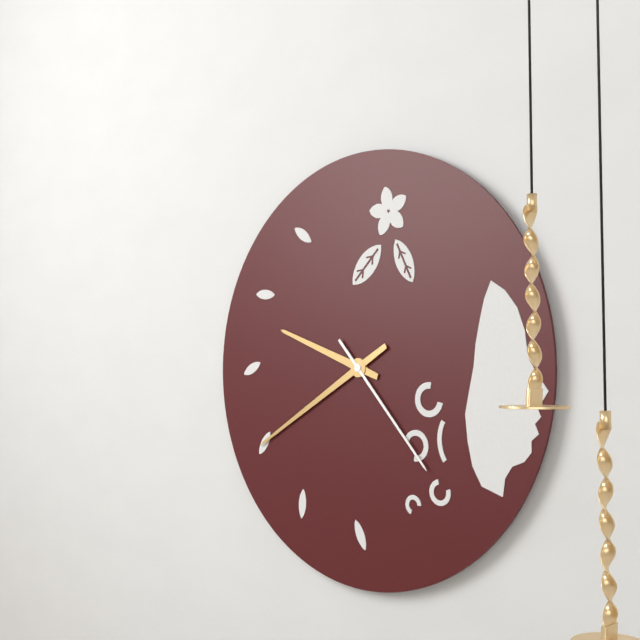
9,40,23
